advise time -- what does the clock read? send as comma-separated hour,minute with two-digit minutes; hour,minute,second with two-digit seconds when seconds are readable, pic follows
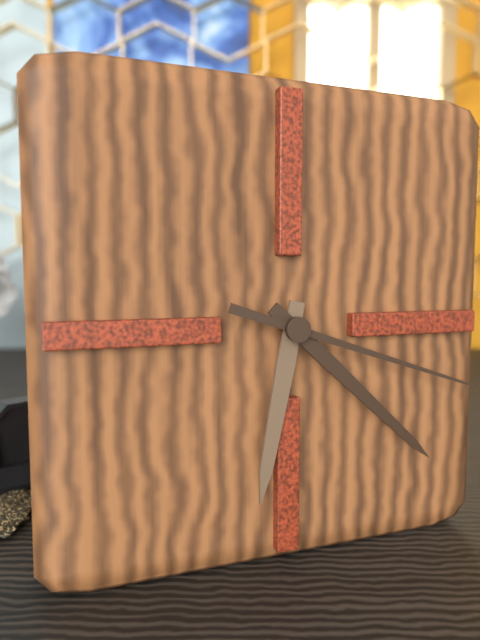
6,22,18
